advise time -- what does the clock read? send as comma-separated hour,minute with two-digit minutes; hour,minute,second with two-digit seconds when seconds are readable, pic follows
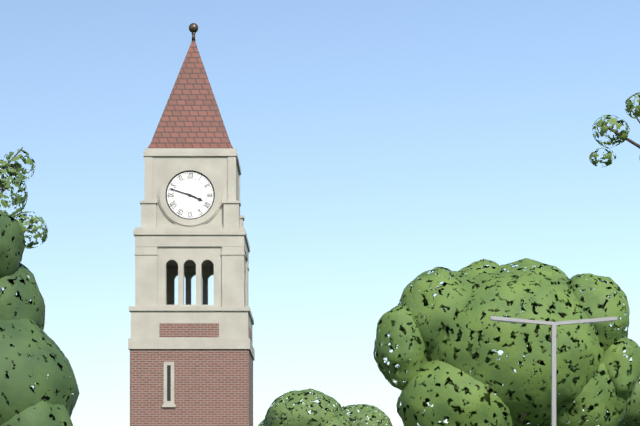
3,48
